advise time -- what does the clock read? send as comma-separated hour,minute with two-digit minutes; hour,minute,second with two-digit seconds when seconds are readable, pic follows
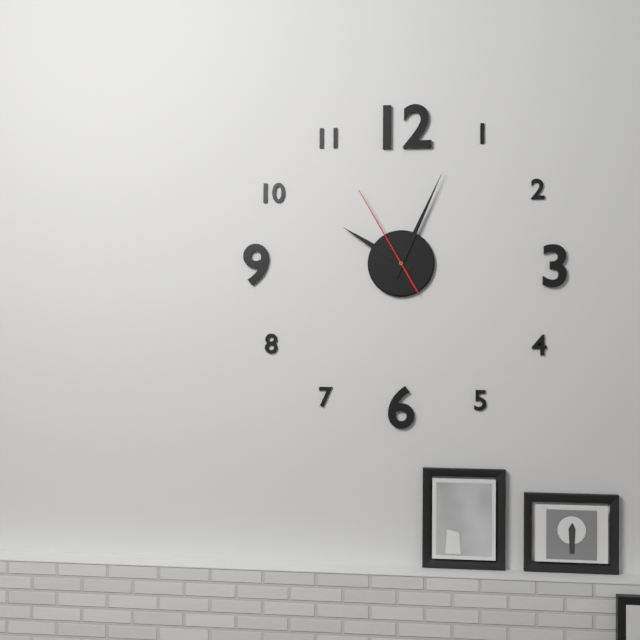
10,04,55
